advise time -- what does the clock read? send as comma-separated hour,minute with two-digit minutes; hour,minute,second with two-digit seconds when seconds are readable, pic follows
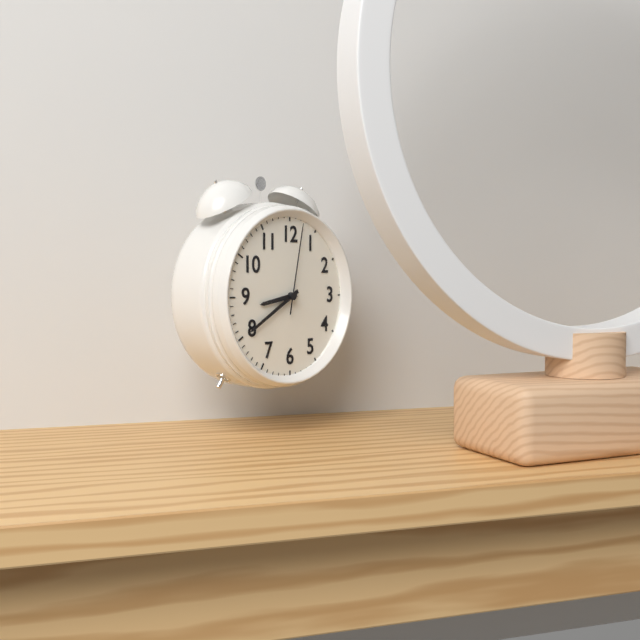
8,40,02
